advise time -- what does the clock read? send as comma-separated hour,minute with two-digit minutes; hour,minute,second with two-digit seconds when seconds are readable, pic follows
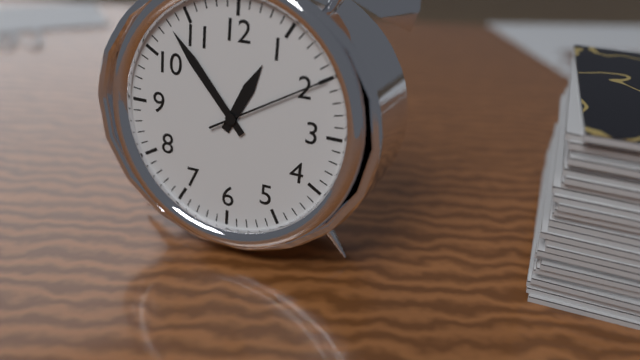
12,53,10
